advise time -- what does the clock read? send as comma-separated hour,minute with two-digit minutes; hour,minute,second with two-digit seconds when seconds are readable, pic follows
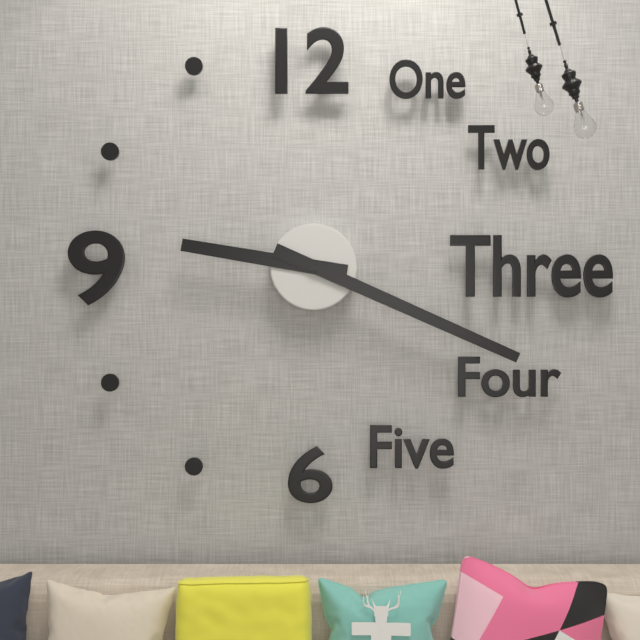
9,19
